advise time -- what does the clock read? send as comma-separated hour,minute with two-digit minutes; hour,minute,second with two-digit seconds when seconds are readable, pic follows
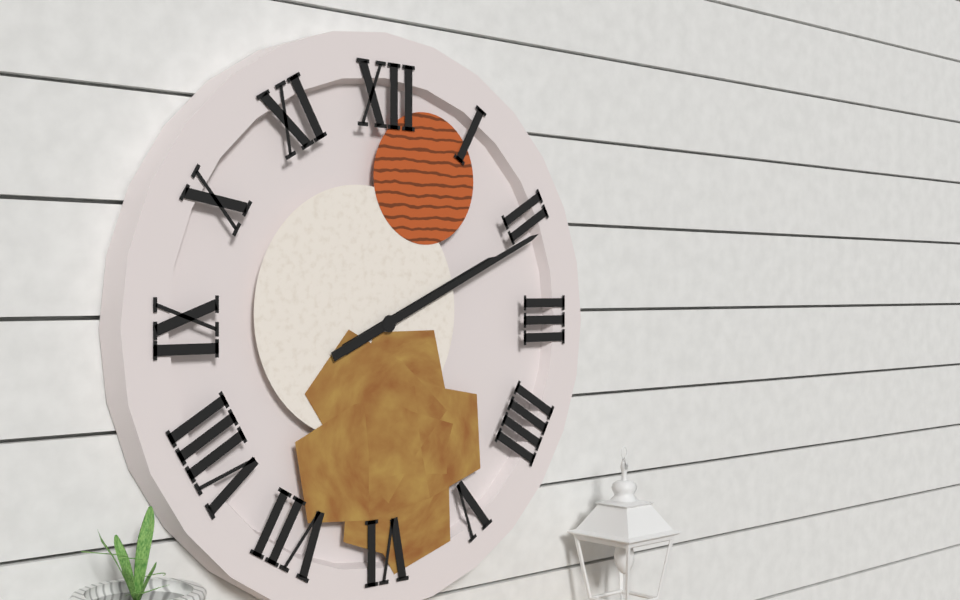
2,11
